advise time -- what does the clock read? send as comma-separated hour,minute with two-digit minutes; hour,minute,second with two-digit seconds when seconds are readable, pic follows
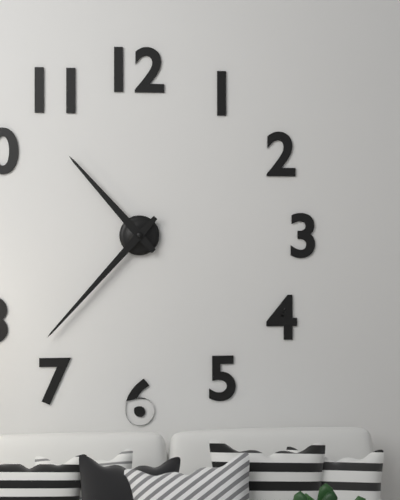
10,37
